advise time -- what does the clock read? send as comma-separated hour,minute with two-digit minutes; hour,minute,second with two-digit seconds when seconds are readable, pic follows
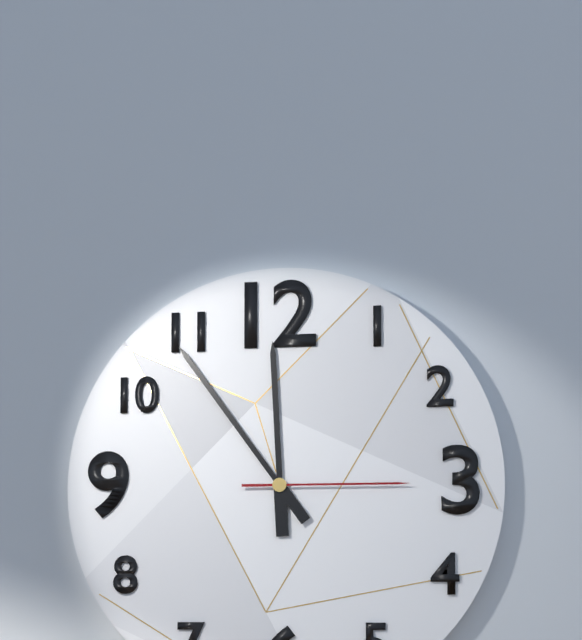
11,54,15
